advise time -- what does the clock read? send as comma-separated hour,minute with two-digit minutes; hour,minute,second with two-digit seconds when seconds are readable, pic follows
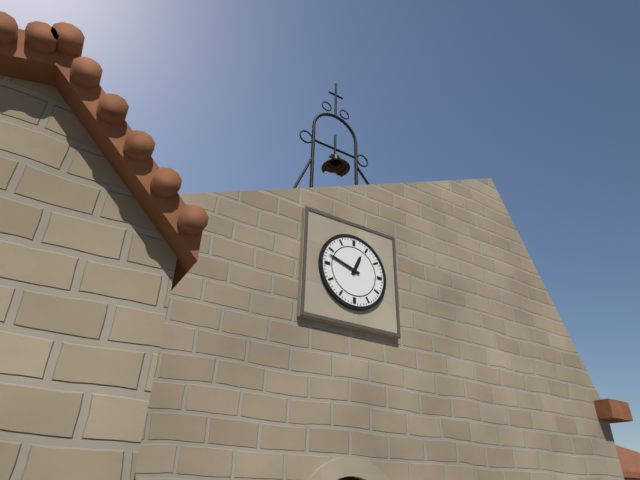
12,48
